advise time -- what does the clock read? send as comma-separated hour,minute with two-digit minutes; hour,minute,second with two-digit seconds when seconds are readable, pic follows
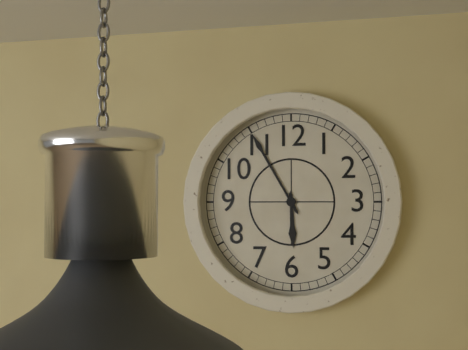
5,55
